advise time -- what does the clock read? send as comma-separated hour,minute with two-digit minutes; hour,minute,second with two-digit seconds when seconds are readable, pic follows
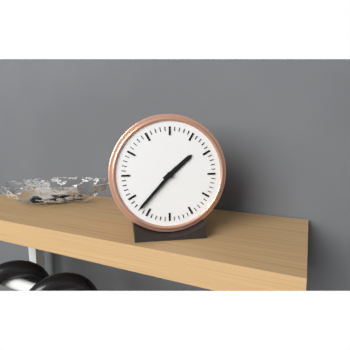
1,37
